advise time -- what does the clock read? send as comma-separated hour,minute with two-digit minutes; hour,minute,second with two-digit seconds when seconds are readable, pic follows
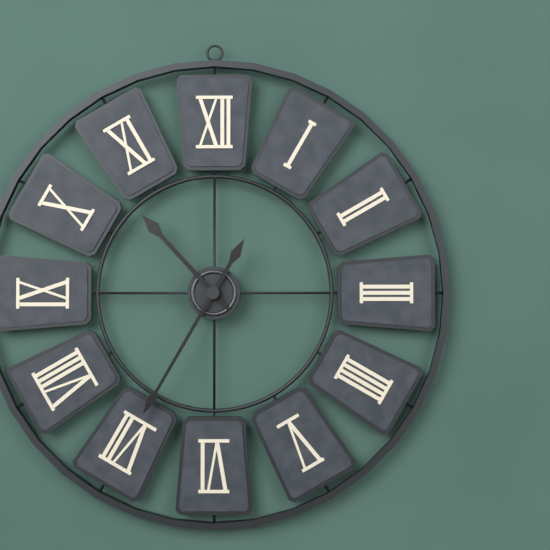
10,35
